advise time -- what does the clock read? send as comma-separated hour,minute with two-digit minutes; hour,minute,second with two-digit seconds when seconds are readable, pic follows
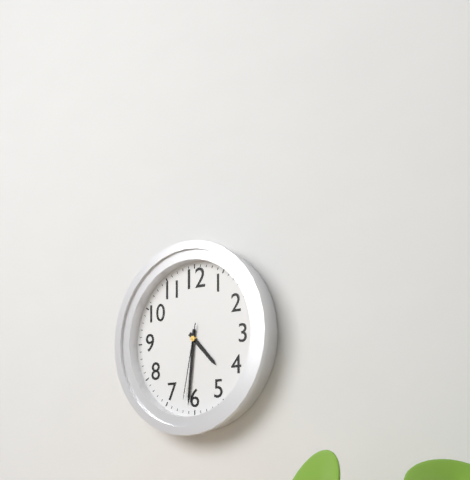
4,31,32
